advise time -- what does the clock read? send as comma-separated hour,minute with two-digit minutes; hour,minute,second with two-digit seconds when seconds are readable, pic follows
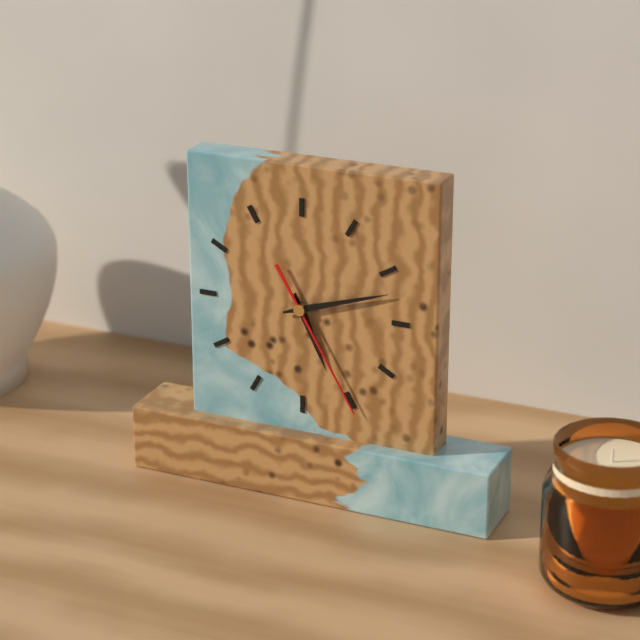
5,12,25
